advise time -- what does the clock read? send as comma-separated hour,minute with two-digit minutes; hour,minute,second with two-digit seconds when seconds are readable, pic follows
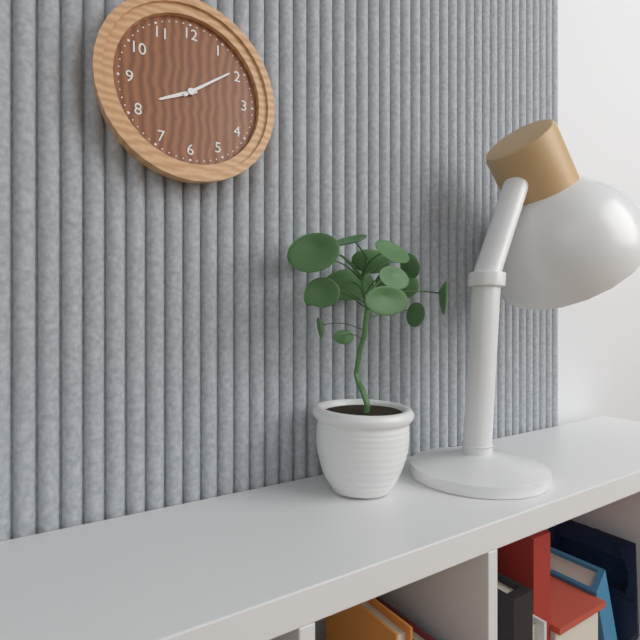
8,09
